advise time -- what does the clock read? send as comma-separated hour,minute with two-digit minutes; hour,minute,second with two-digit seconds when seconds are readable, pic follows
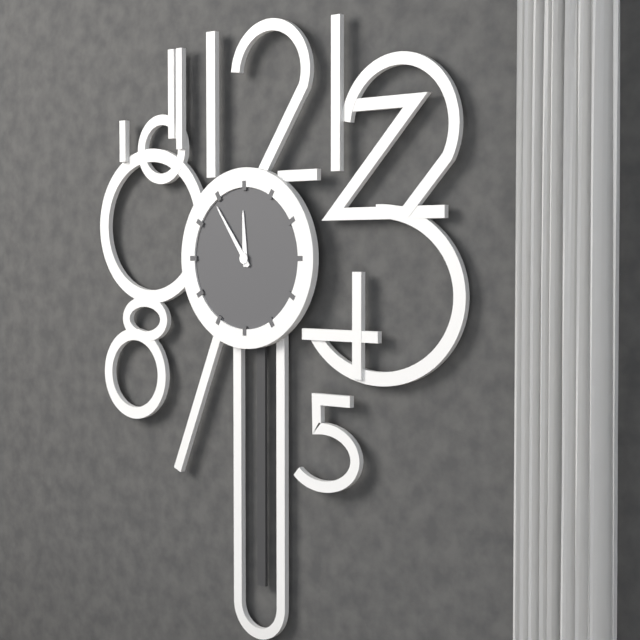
11,54
